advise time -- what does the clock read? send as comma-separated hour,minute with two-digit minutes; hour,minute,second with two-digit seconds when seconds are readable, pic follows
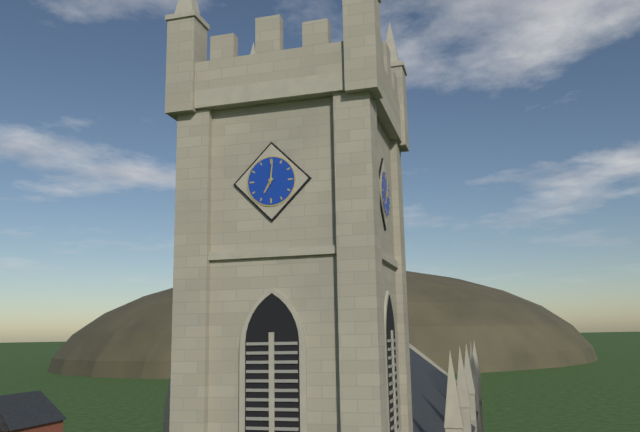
7,01
